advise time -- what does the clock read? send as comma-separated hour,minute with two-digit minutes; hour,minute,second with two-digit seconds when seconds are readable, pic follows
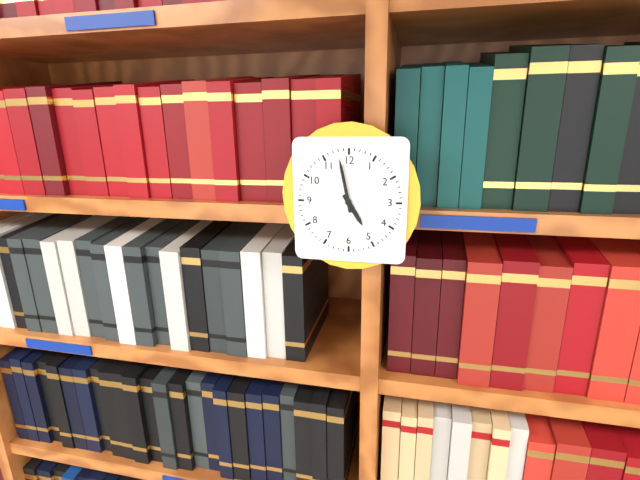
4,58
